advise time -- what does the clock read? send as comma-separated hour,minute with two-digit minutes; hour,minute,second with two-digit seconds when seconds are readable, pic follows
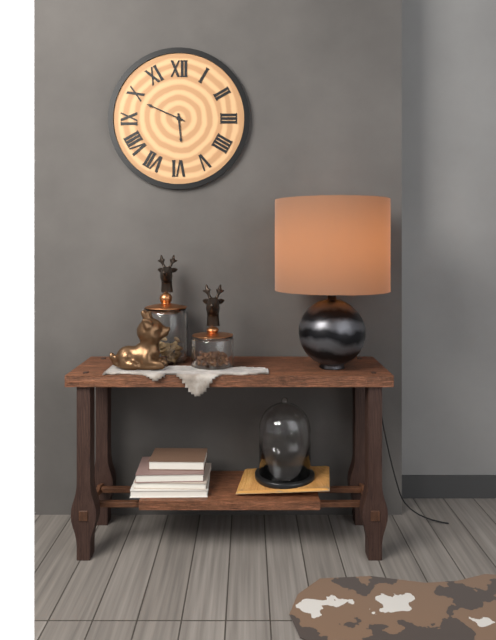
5,49
